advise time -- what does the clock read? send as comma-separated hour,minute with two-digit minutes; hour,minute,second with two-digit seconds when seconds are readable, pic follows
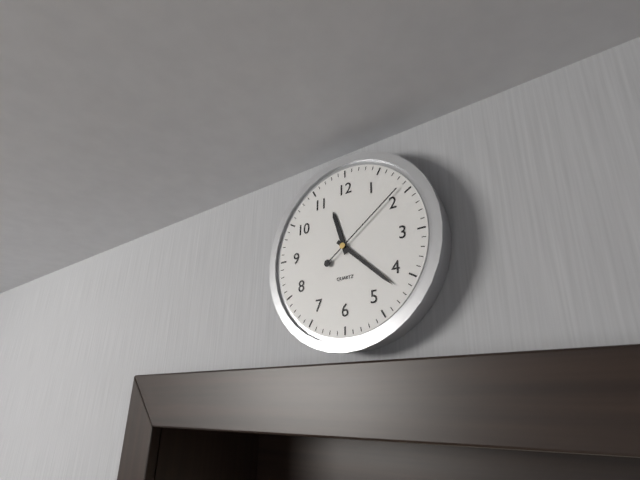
11,22,09
